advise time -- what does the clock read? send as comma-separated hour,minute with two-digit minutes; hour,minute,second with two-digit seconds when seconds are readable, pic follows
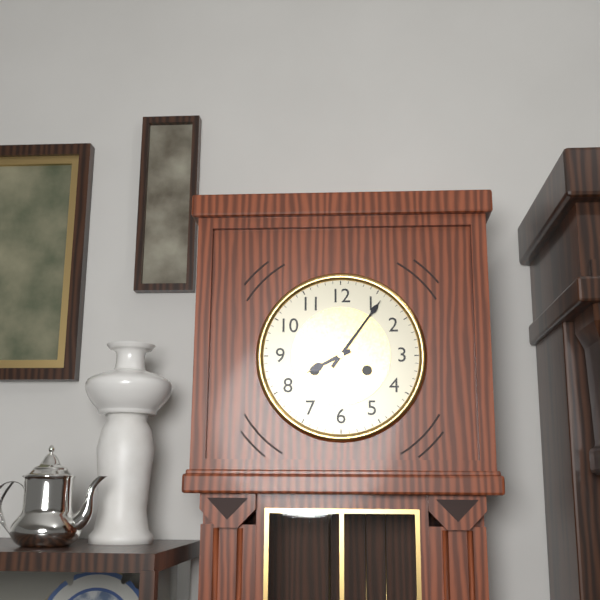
8,06
